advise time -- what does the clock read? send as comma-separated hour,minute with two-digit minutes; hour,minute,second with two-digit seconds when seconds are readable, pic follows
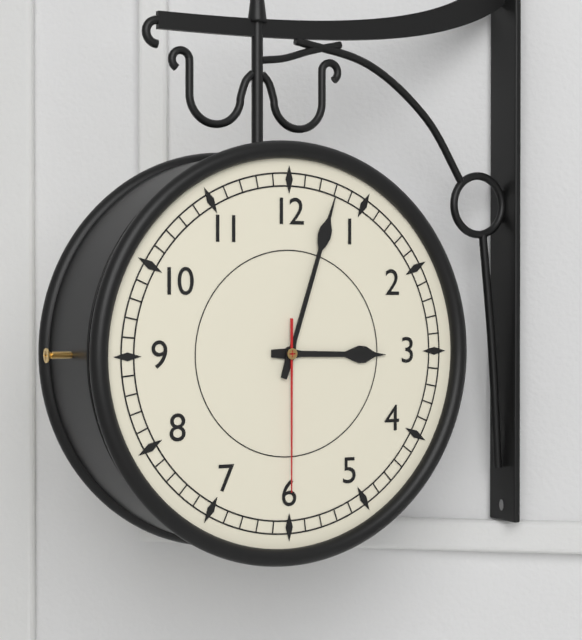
3,03,30
